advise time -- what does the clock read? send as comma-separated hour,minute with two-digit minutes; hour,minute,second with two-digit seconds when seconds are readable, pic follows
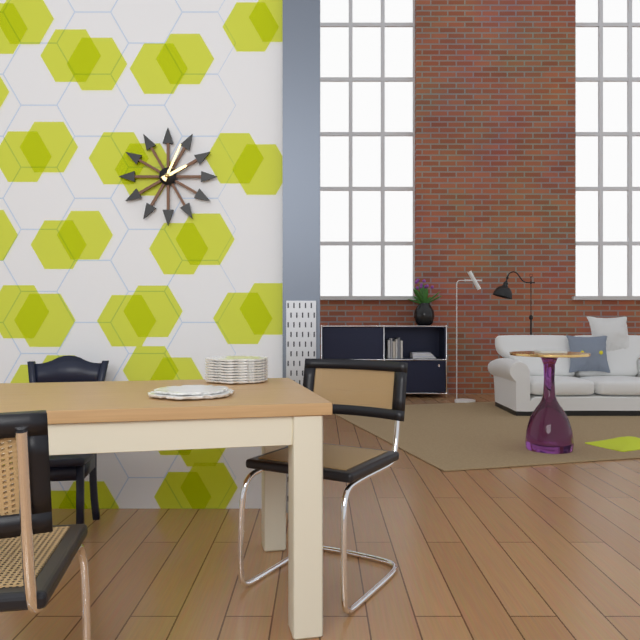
2,04
